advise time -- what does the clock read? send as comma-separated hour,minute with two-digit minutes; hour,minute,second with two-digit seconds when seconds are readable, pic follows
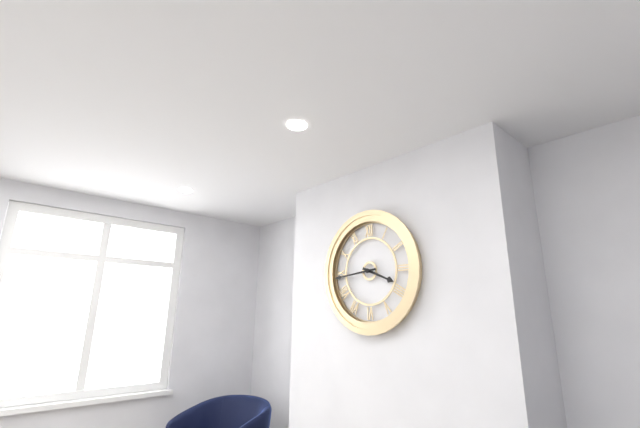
3,44
